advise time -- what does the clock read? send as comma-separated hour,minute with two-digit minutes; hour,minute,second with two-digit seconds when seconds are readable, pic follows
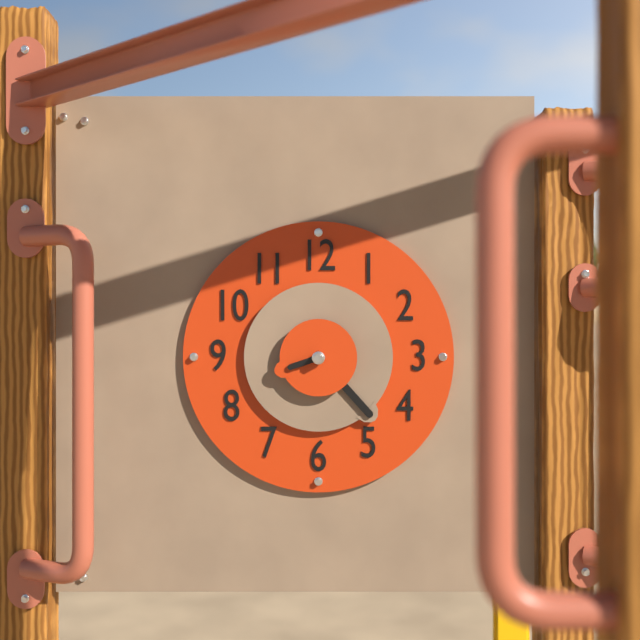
8,23
